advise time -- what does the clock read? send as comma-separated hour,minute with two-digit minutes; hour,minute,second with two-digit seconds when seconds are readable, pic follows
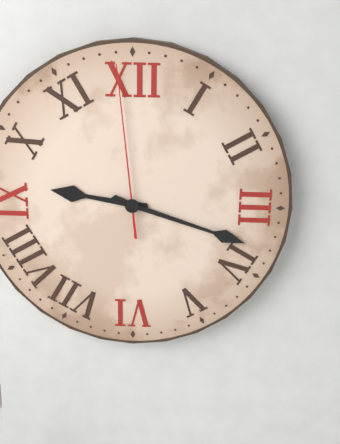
9,18,59
